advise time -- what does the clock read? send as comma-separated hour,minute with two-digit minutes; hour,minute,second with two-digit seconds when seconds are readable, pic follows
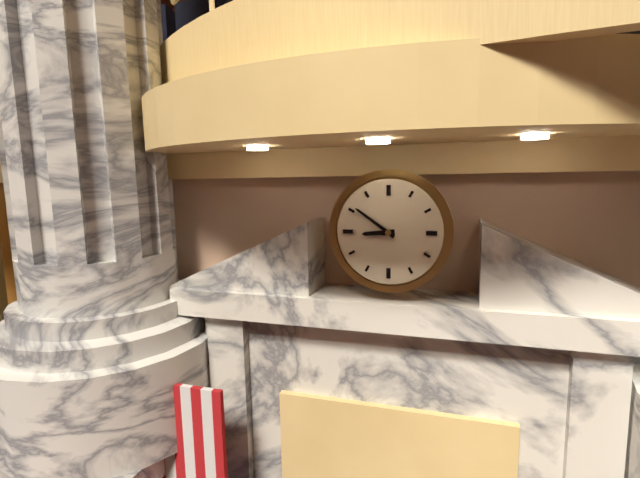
8,51
